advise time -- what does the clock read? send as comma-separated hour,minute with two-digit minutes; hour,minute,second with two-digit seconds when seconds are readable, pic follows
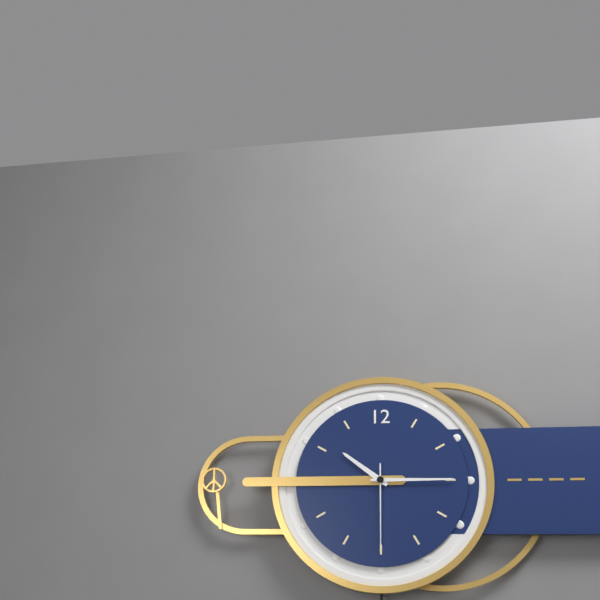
10,15,30
